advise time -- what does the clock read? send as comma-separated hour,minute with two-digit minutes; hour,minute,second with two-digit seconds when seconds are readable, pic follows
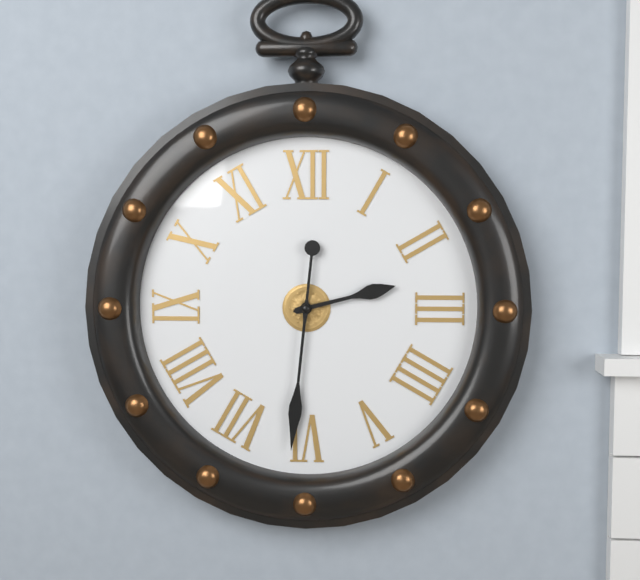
2,31
